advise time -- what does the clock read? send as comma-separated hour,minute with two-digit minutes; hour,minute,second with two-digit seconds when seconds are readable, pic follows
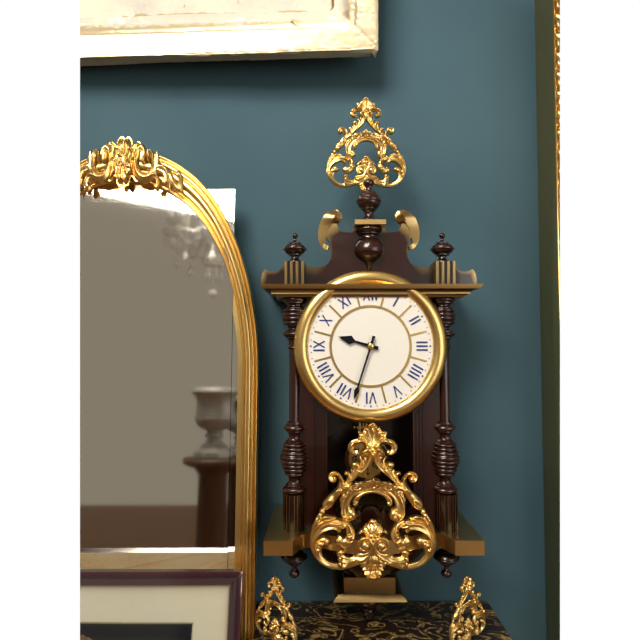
9,33
